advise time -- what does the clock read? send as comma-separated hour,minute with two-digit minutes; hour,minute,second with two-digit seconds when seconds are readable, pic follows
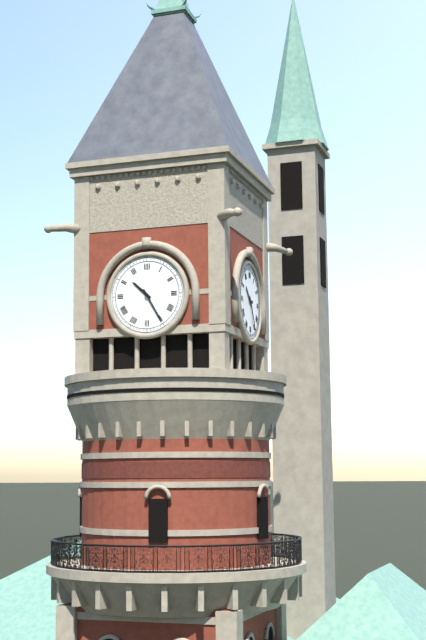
10,25
